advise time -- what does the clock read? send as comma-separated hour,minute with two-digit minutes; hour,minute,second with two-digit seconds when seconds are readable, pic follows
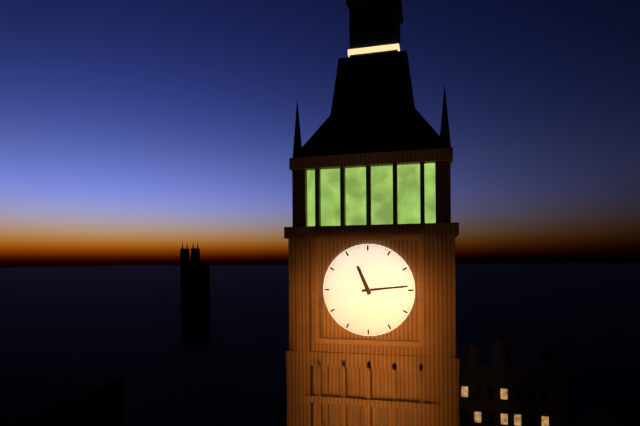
11,14
